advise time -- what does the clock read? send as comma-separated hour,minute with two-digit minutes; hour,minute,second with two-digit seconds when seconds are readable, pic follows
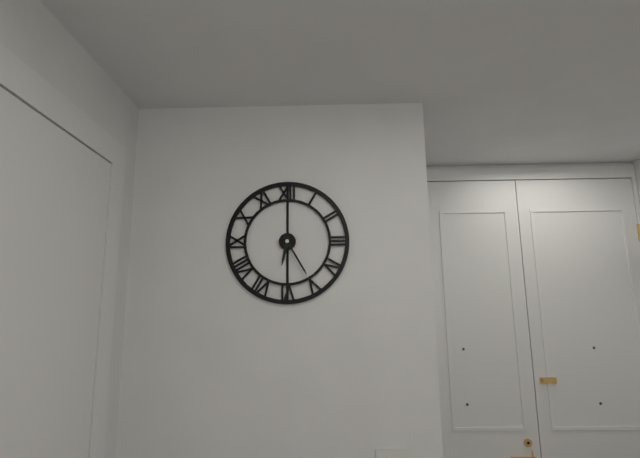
6,25
